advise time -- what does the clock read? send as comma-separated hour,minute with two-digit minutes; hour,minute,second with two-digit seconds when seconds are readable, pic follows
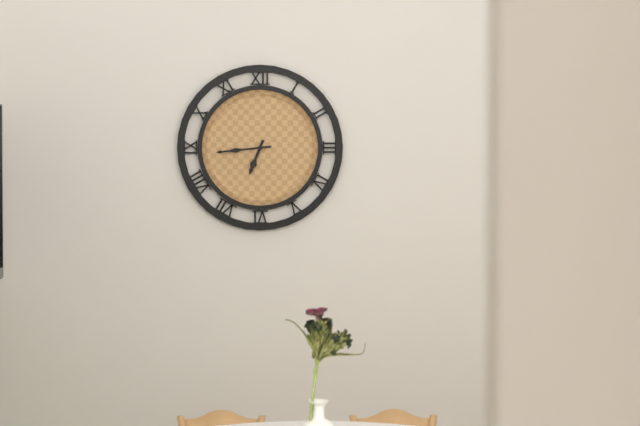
6,44
